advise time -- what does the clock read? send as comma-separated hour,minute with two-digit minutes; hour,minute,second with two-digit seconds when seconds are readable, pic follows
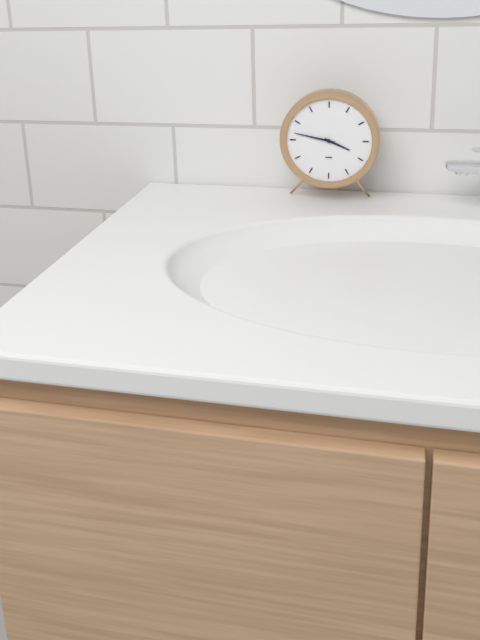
3,47
